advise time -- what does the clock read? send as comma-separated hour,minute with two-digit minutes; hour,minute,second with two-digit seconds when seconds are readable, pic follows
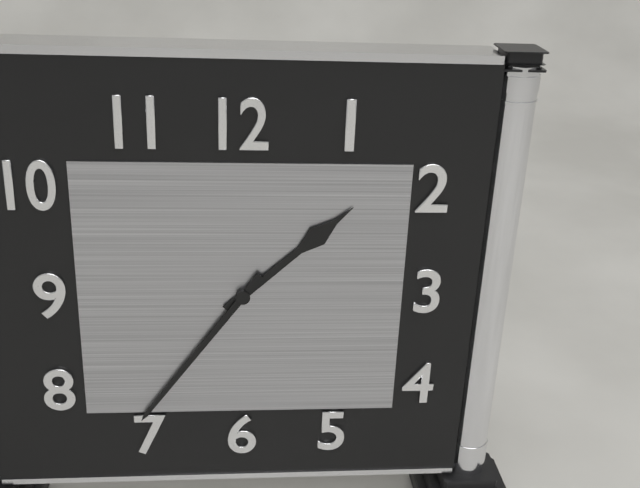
1,36
